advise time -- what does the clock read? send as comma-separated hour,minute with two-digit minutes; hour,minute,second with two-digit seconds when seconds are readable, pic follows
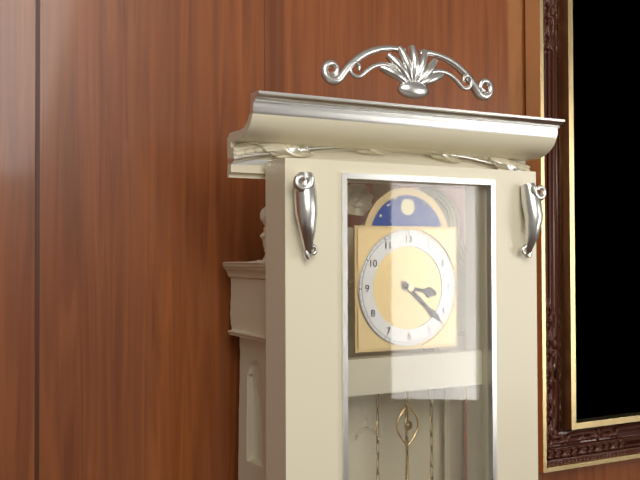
3,22
